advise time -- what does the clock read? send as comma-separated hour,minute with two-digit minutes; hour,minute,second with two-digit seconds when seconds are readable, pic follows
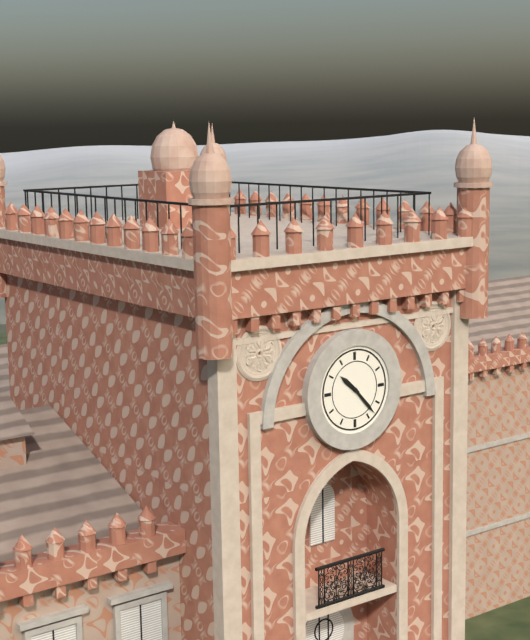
10,23
